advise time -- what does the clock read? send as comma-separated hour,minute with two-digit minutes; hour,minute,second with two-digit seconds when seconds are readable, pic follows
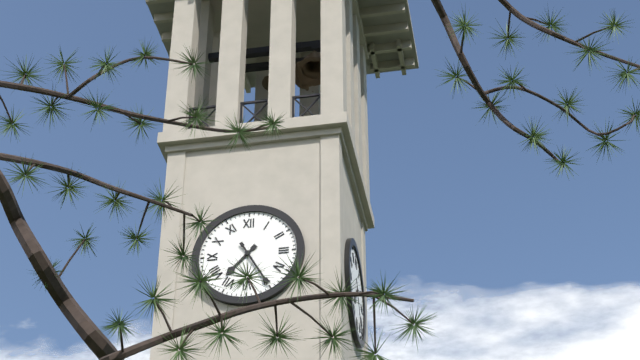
7,25
